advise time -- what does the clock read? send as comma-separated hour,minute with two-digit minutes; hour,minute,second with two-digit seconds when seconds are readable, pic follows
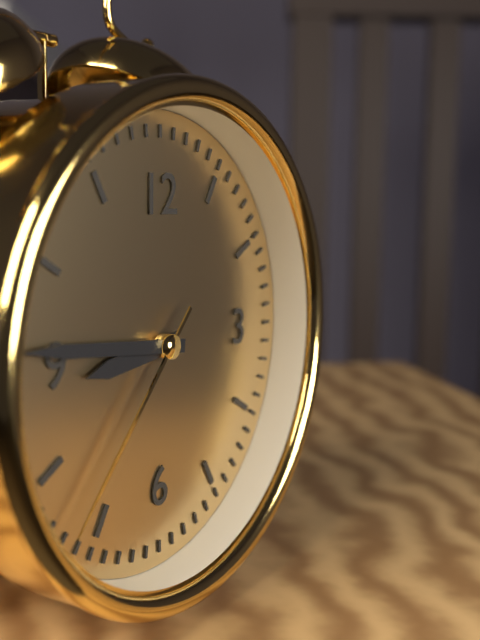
8,46,37
